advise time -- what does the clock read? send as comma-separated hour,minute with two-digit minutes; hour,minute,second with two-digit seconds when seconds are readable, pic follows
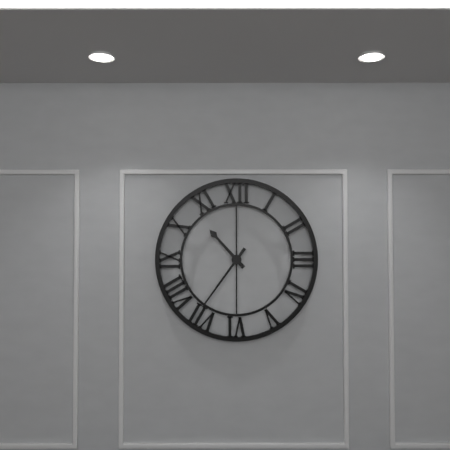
10,36
